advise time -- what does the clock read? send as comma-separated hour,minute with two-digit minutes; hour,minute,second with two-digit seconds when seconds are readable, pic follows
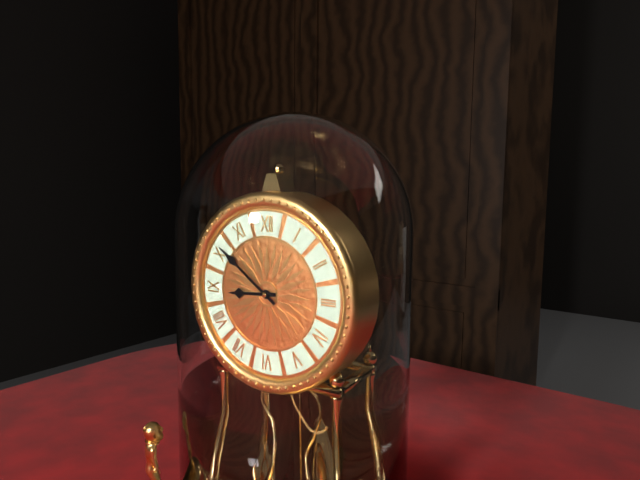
8,51
